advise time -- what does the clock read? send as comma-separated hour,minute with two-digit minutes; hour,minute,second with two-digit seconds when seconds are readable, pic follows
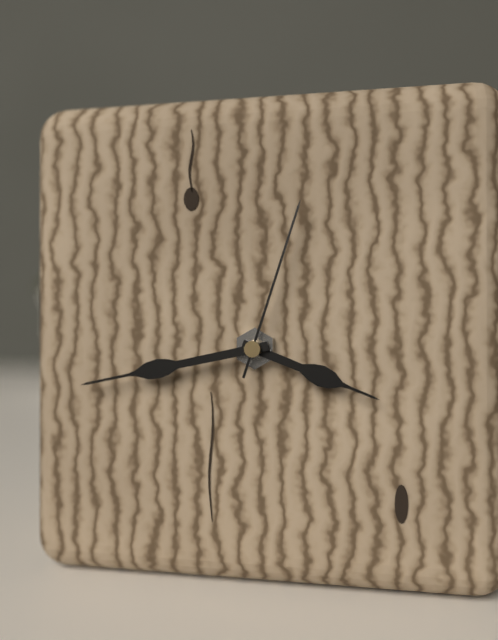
3,43,03
